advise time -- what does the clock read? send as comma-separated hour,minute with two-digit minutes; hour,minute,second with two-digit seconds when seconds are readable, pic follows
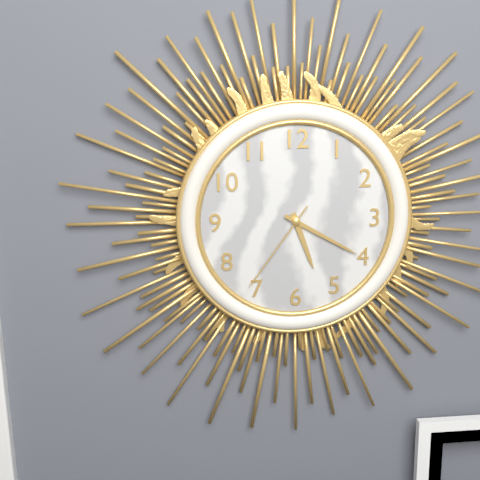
5,20,36
